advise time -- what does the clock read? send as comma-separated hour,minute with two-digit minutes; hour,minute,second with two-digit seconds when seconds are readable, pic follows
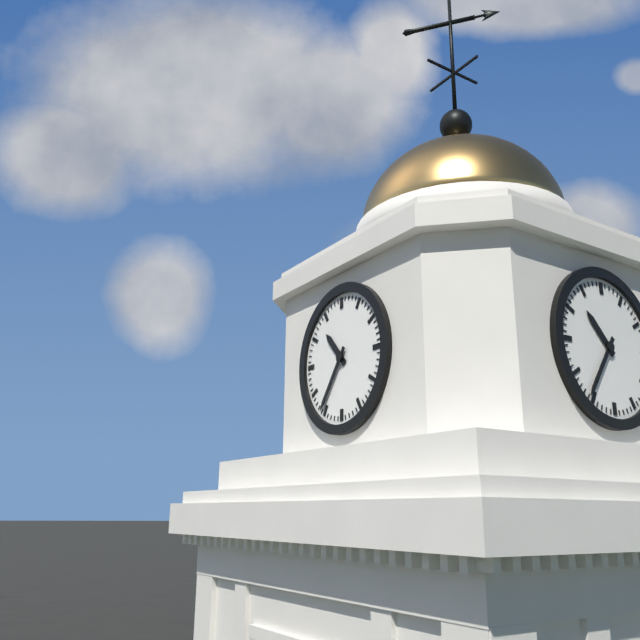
10,36
